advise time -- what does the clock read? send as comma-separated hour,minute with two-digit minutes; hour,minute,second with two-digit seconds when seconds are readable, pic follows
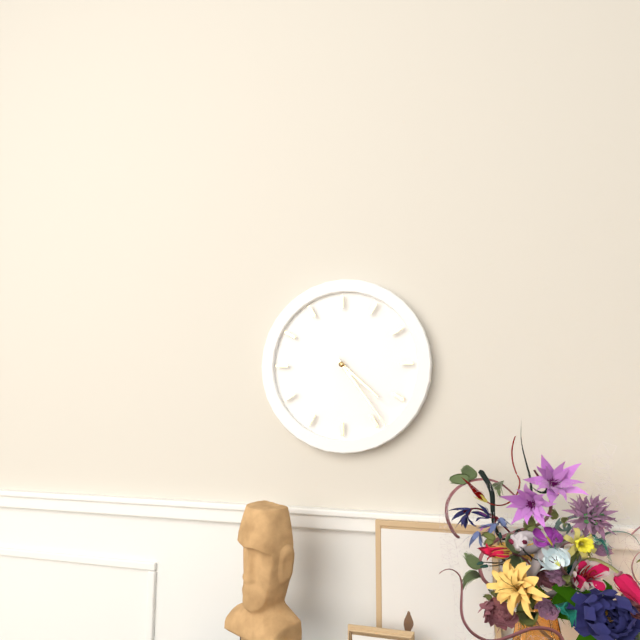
4,24
